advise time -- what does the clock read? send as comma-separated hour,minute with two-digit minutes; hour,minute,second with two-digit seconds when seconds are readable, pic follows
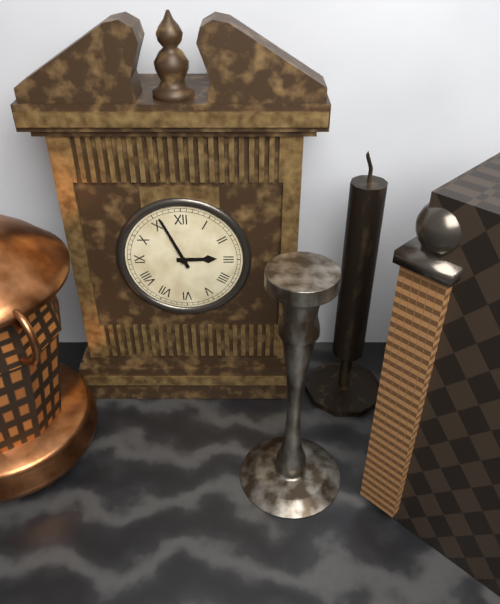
2,56
